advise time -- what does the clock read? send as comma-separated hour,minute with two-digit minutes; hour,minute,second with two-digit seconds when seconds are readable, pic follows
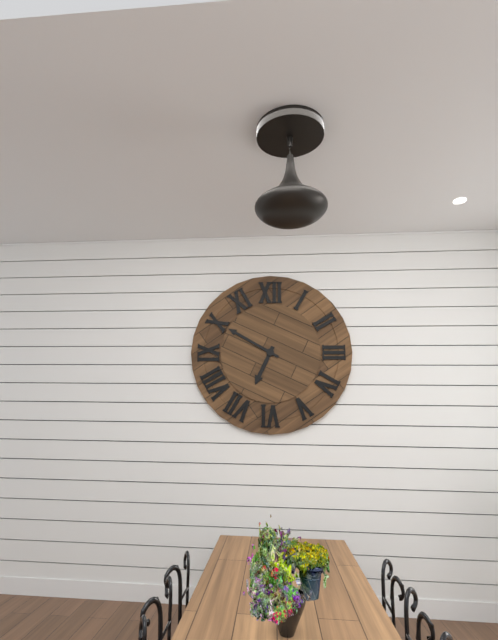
6,50
